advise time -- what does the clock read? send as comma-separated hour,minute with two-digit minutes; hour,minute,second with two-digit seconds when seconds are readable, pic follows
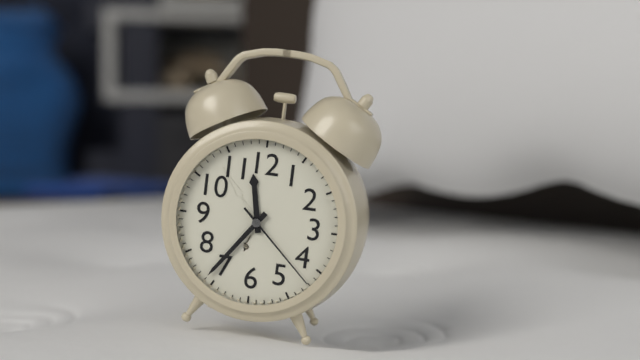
11,36,22
